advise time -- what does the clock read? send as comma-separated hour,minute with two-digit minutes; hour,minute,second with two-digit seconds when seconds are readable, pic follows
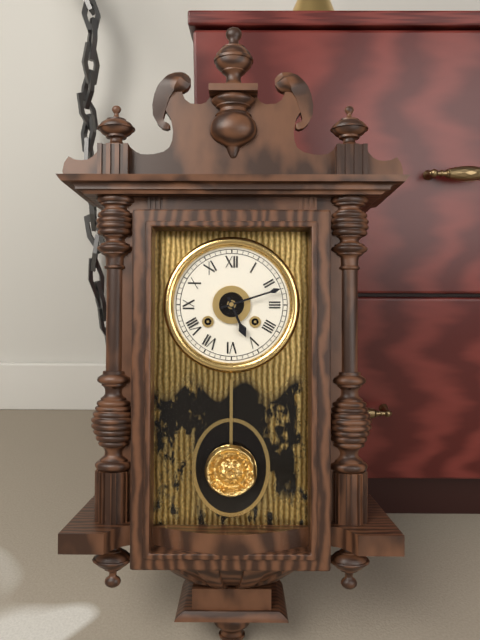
5,12
